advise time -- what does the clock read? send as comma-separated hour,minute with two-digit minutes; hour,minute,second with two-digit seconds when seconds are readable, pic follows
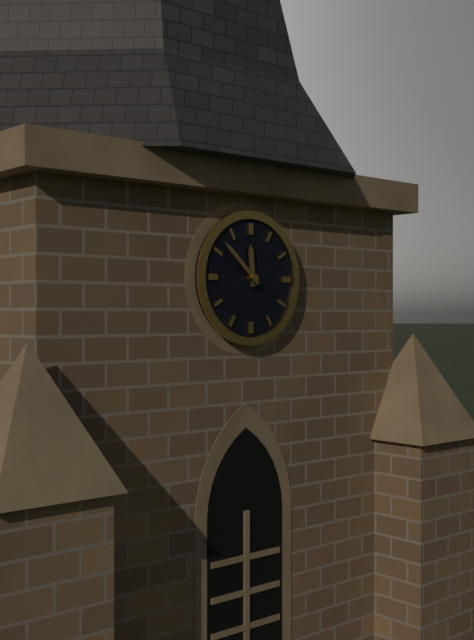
11,52
